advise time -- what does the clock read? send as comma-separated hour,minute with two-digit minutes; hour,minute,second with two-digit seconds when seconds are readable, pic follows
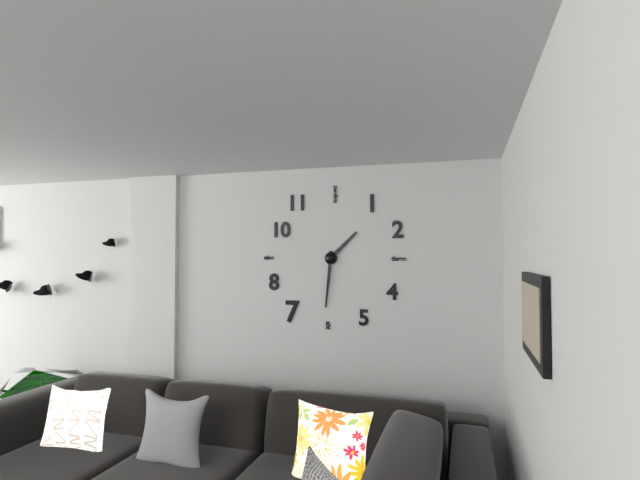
1,31
